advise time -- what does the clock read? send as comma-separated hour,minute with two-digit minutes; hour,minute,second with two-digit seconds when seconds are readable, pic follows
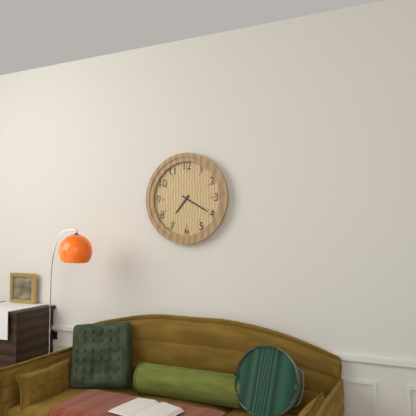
7,20
